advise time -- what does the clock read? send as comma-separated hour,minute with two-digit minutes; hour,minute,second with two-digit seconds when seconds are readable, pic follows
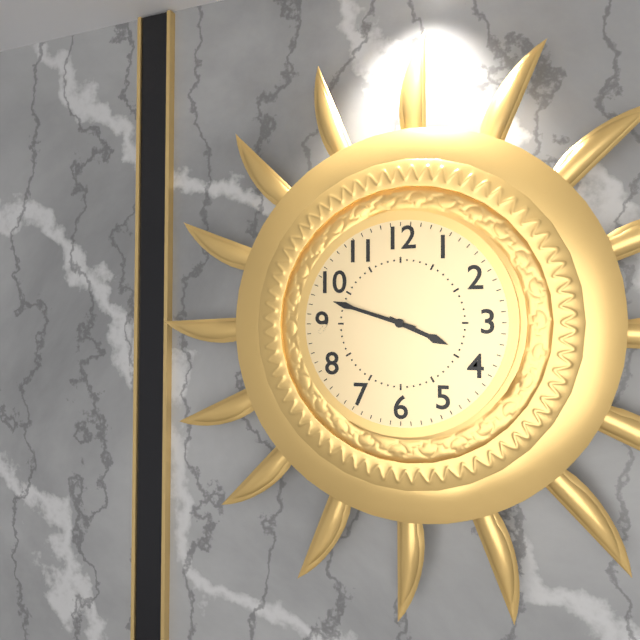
3,48
